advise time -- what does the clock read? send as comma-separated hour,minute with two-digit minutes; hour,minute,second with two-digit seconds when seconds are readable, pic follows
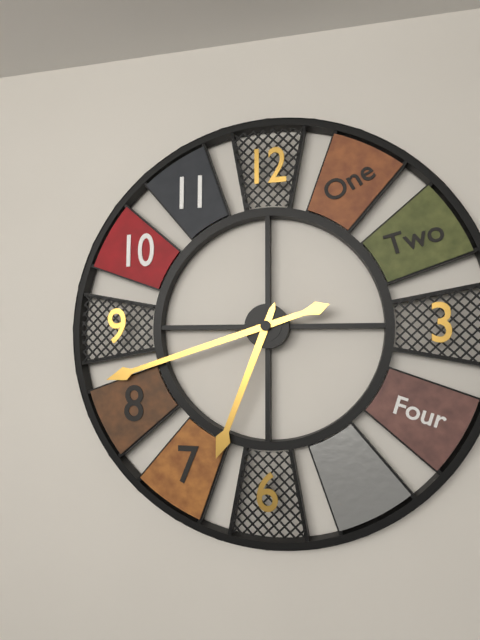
6,42
